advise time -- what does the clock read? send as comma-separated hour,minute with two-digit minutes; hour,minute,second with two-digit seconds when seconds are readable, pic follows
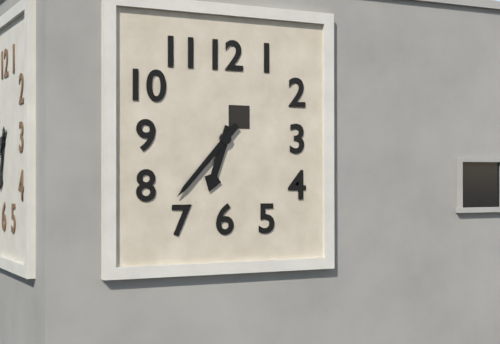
6,37
